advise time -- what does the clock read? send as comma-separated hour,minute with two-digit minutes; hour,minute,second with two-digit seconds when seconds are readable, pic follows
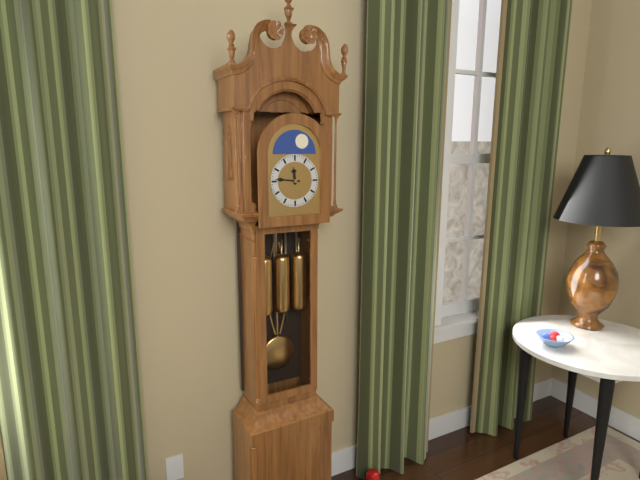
11,46
